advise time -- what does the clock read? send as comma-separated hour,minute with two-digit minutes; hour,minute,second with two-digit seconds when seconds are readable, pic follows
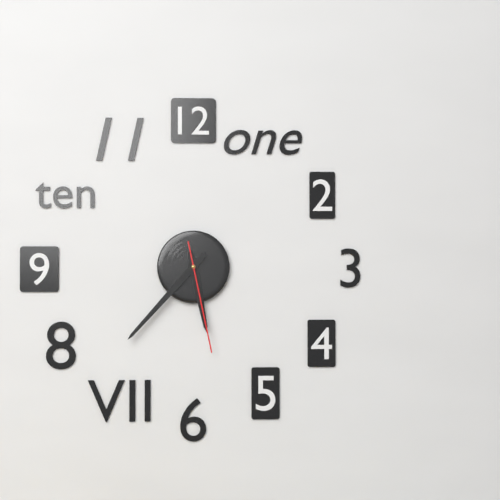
5,37,28
